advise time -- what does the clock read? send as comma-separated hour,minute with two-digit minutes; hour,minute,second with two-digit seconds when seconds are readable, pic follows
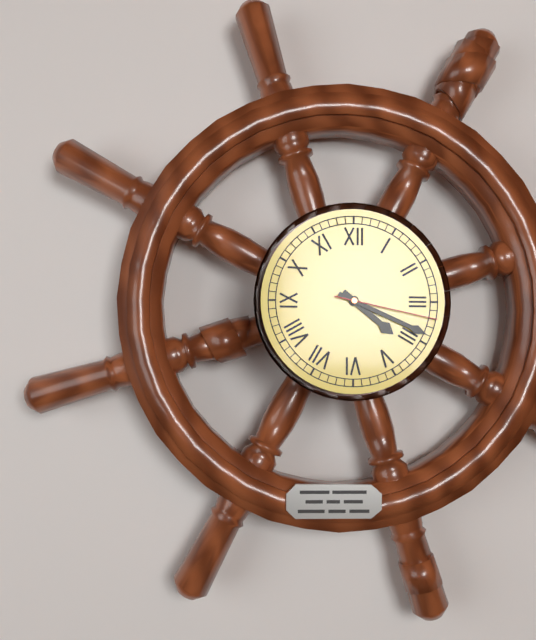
4,19,17
